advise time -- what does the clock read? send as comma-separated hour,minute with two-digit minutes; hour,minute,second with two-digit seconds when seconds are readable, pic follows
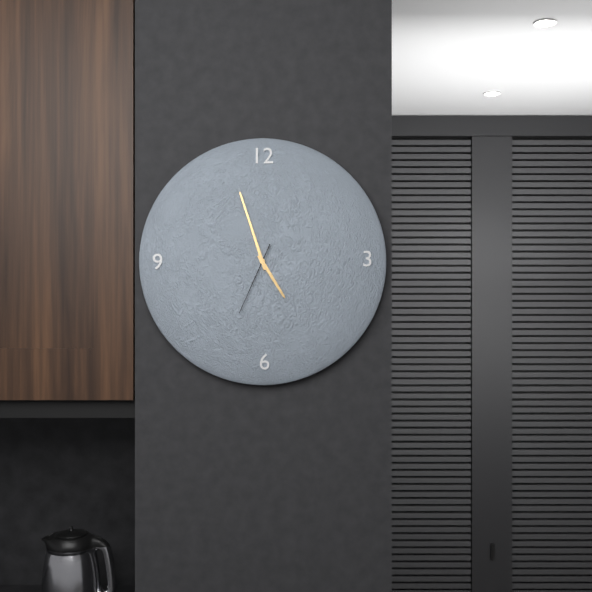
4,57,34
